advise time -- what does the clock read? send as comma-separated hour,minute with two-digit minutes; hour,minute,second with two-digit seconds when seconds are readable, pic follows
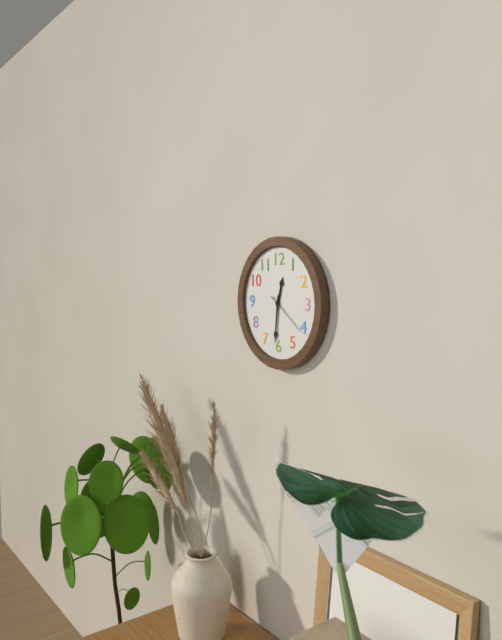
12,31
